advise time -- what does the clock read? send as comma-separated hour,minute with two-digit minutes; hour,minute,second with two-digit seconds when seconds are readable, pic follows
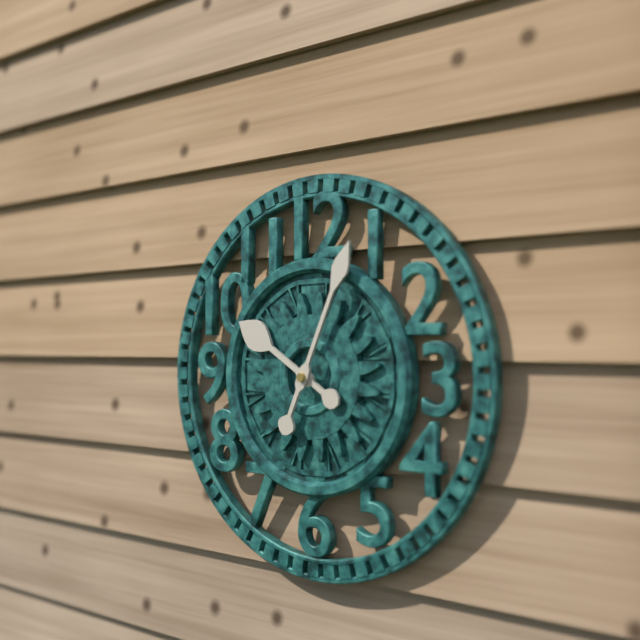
10,04
